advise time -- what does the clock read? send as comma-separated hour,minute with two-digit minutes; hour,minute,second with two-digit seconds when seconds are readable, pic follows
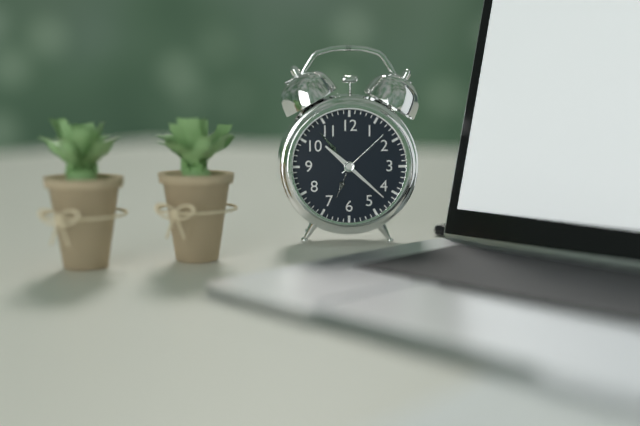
10,22
